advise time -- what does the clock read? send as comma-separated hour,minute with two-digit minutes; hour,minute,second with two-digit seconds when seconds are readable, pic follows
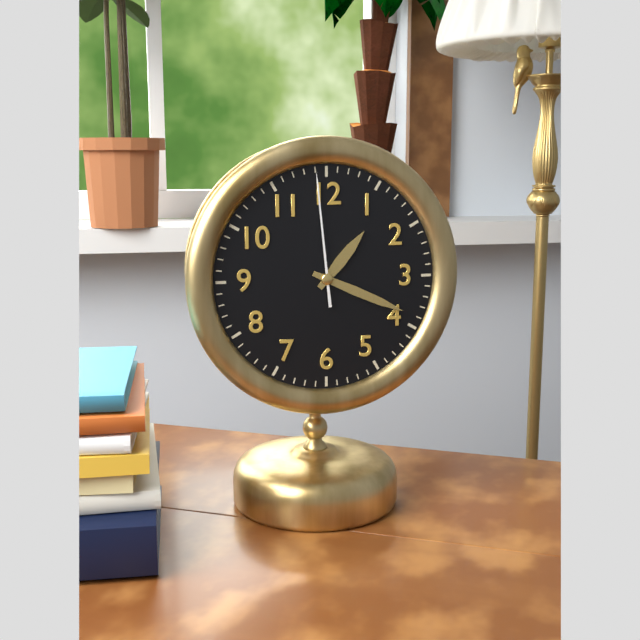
1,19,59
